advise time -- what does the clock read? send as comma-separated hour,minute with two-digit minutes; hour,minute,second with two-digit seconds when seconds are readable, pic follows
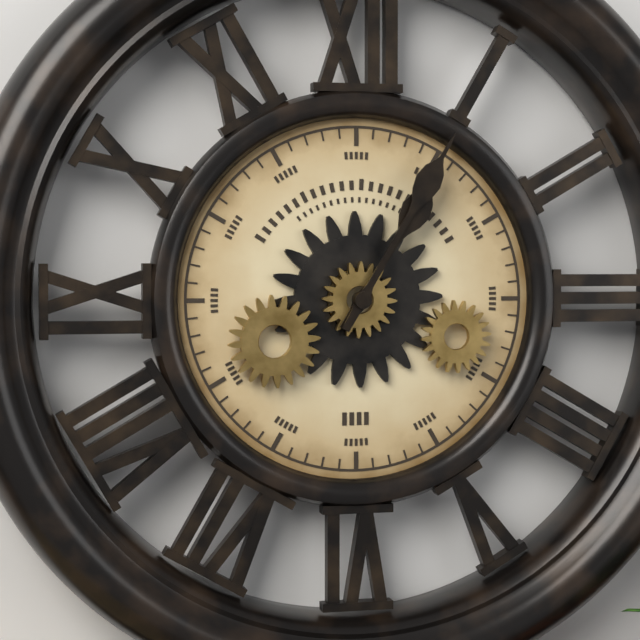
1,05
